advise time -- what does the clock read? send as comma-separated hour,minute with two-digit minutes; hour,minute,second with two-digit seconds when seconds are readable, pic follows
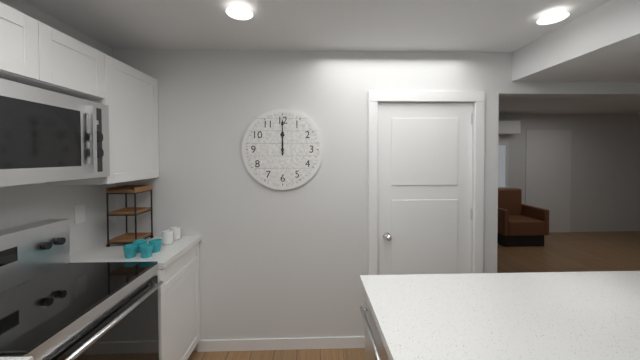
12,00
